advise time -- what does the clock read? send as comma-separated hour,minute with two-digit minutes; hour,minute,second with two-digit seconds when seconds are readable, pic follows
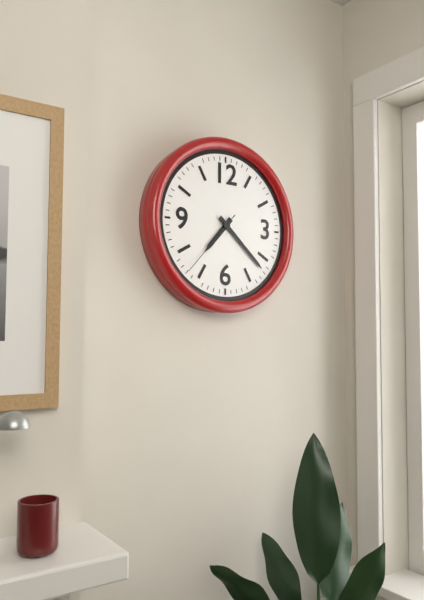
7,22,37
